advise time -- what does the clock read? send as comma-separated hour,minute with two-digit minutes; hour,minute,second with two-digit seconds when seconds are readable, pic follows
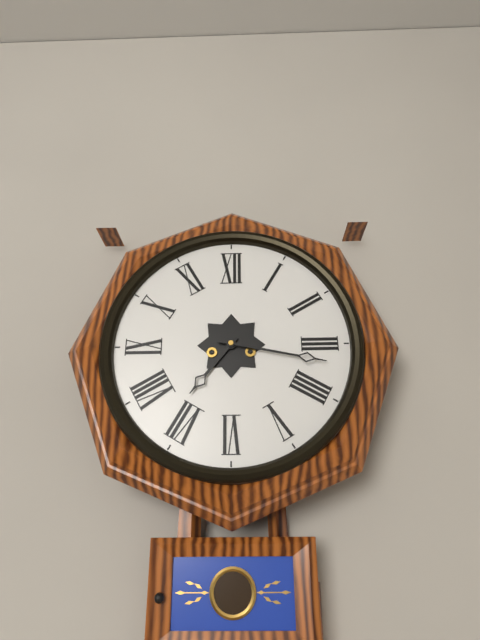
7,17
